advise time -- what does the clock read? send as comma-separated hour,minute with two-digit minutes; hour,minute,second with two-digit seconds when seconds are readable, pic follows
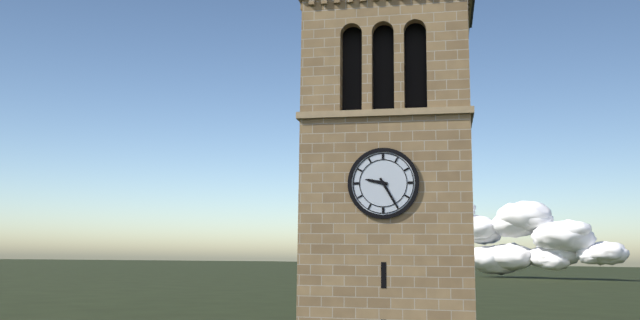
9,25
